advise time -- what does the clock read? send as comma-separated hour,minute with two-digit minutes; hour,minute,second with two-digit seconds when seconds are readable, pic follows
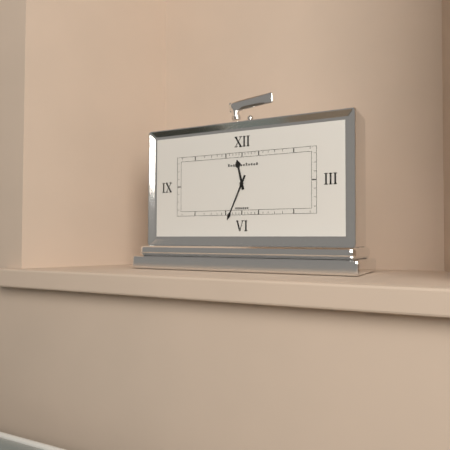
11,34
